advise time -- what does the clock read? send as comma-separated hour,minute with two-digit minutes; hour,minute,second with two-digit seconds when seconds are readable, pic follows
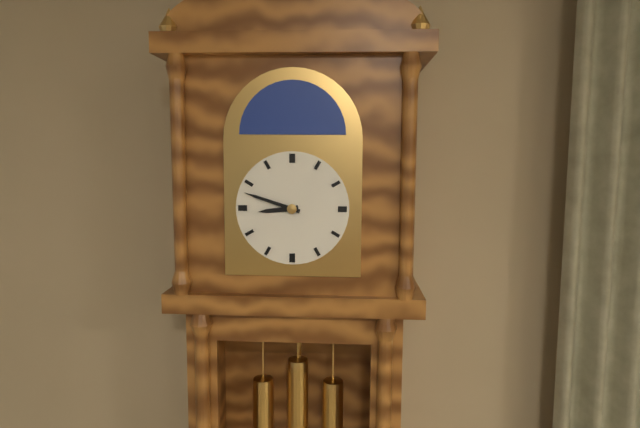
8,48
